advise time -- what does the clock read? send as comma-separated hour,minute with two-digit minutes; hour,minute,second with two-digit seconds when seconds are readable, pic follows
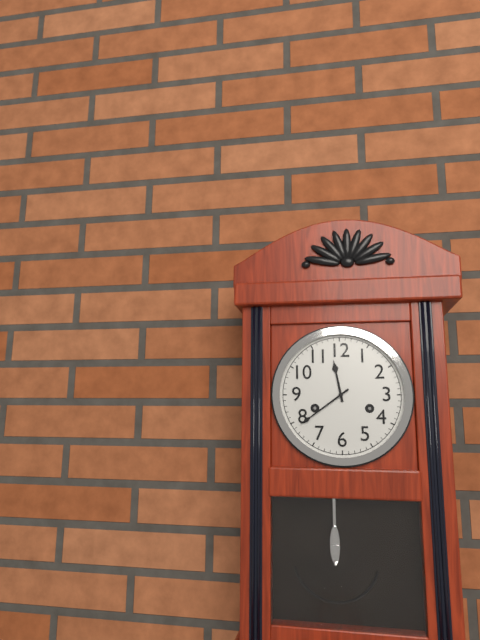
11,39
